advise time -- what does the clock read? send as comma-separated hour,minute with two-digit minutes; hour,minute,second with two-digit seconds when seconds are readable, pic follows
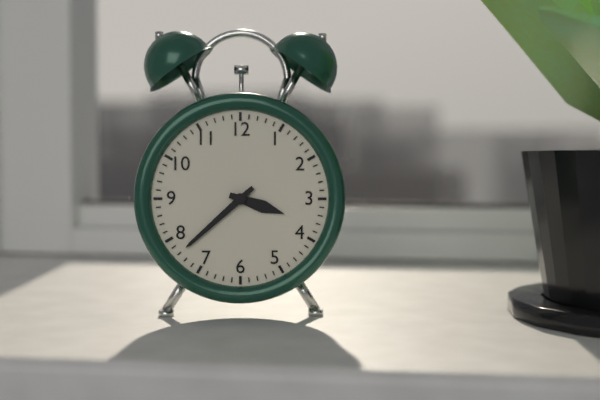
3,38
